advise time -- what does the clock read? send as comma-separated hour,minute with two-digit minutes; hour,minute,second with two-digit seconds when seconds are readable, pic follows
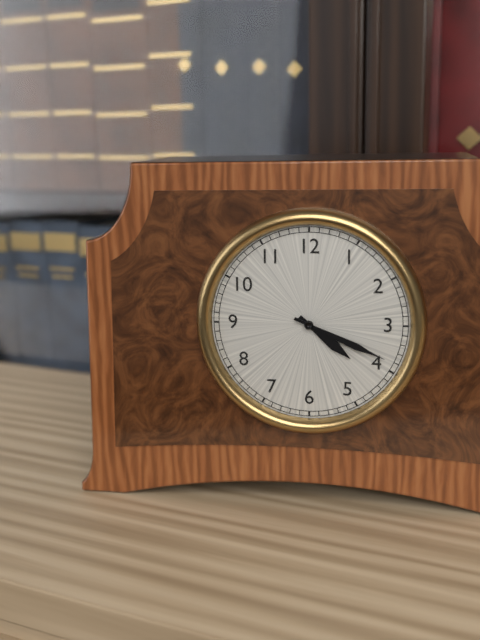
4,19
